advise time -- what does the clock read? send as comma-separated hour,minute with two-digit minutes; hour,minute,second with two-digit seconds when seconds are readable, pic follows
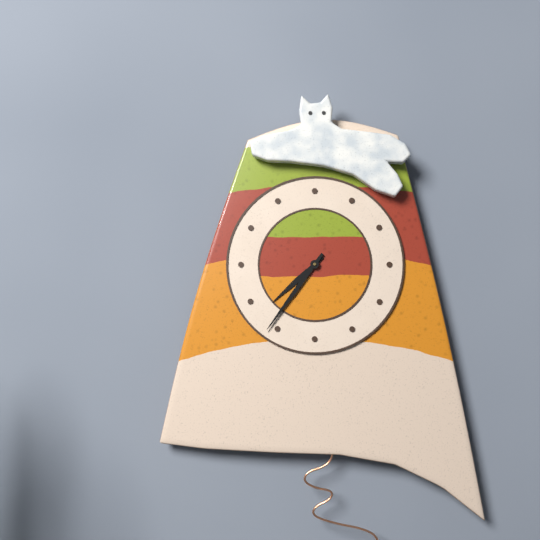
7,36
